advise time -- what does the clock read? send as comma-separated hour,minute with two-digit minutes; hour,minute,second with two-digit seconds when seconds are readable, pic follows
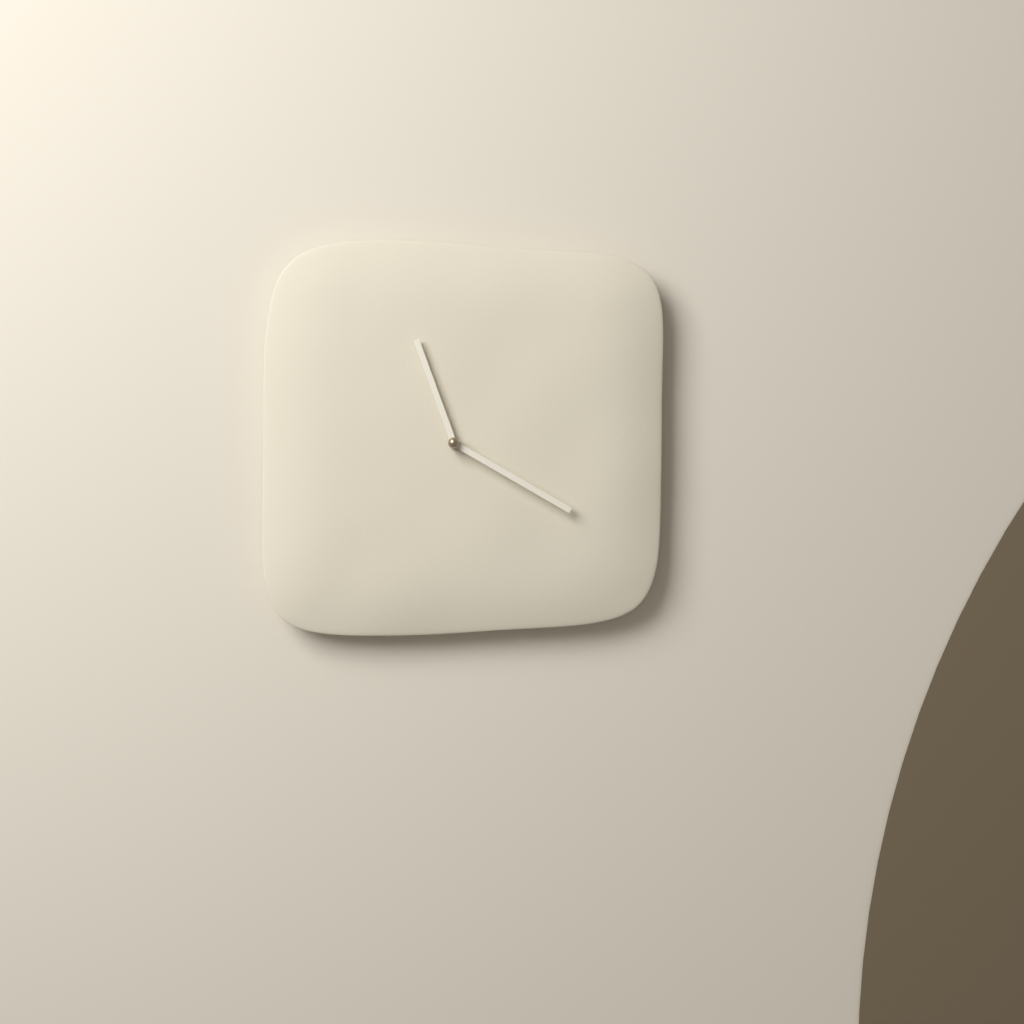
11,20
